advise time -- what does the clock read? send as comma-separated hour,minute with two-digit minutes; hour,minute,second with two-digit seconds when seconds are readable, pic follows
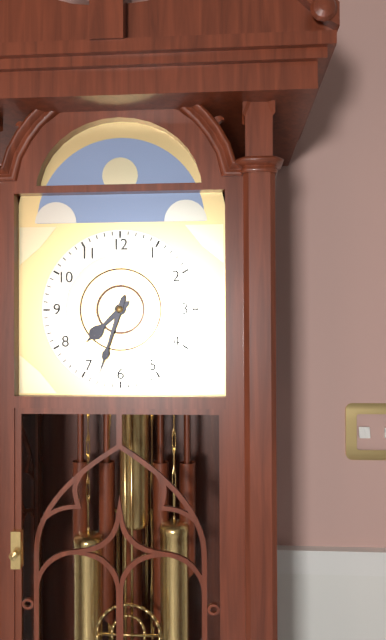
7,33
